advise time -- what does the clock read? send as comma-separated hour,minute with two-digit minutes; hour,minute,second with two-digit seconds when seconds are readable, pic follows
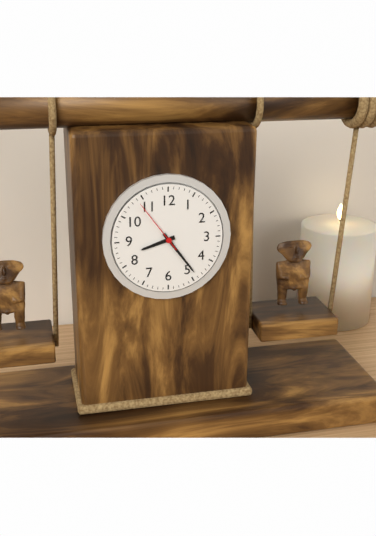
8,24,54
